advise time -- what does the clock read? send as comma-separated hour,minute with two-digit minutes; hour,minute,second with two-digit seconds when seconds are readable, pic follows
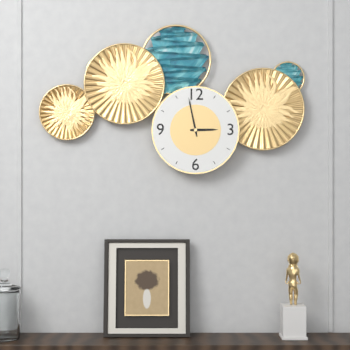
2,58
